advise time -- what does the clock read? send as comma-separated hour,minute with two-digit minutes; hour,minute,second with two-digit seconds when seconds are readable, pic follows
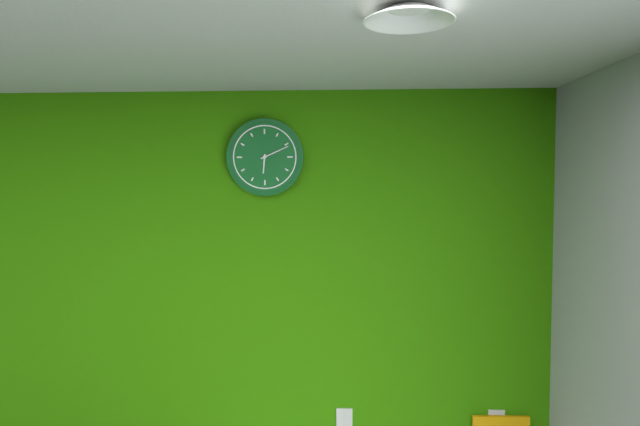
6,11
